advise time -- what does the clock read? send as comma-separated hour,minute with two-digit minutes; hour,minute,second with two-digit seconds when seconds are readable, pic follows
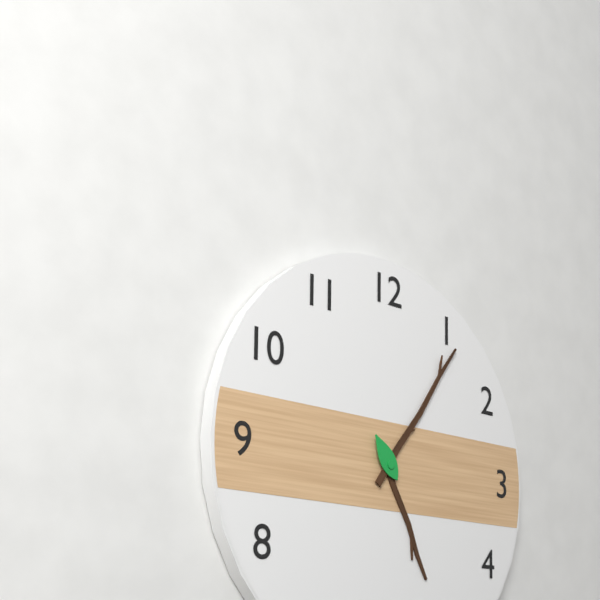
5,06
